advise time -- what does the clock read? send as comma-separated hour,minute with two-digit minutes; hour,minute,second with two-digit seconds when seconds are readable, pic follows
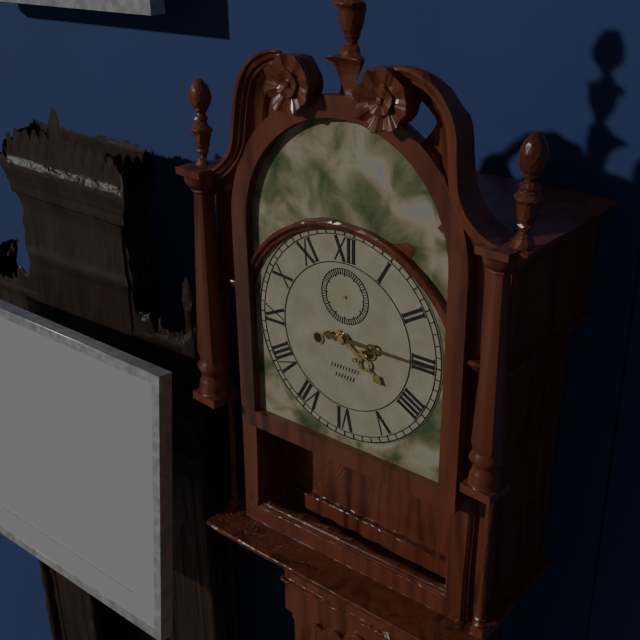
4,15
